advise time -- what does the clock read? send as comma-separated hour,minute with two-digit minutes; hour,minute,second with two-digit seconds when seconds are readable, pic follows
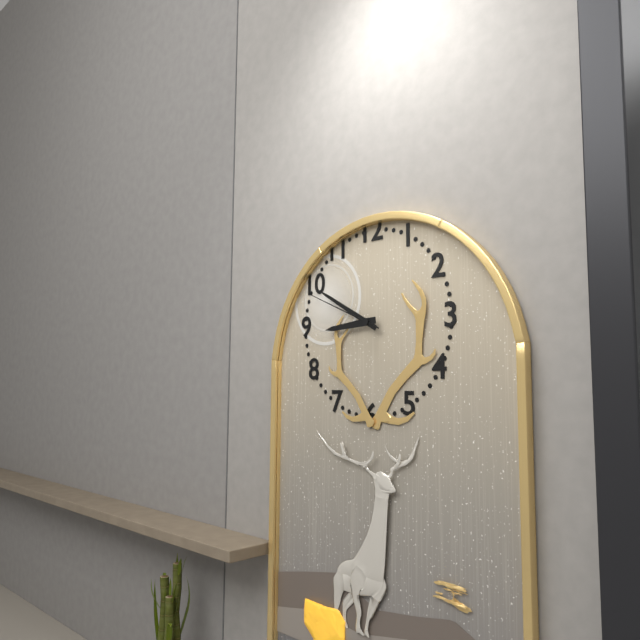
8,50,49
